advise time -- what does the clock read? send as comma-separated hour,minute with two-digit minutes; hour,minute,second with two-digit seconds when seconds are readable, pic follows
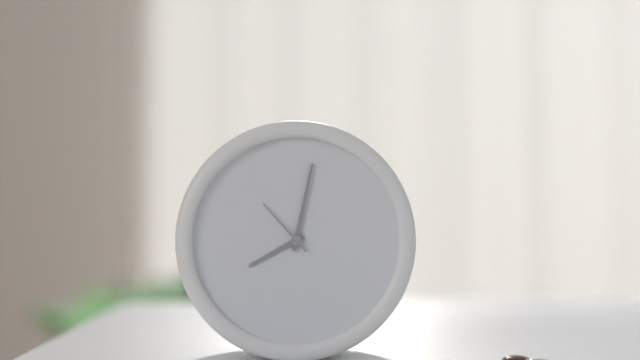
8,02,53
